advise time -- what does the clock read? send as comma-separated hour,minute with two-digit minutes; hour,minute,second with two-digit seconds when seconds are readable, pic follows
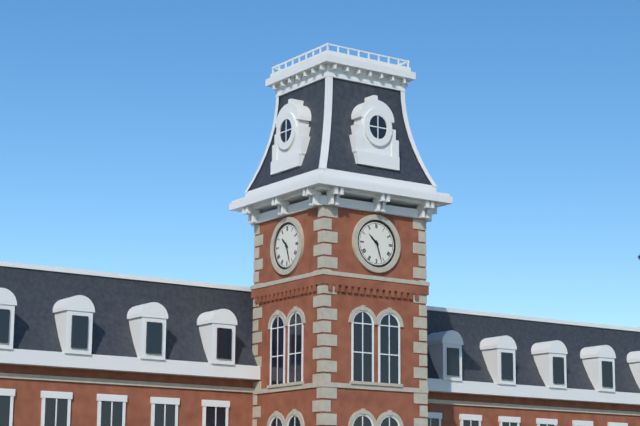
10,27
